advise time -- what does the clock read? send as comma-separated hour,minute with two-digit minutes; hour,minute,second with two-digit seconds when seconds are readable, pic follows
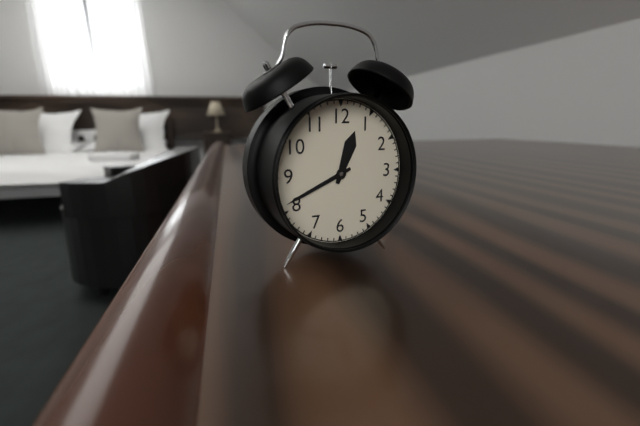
12,41
